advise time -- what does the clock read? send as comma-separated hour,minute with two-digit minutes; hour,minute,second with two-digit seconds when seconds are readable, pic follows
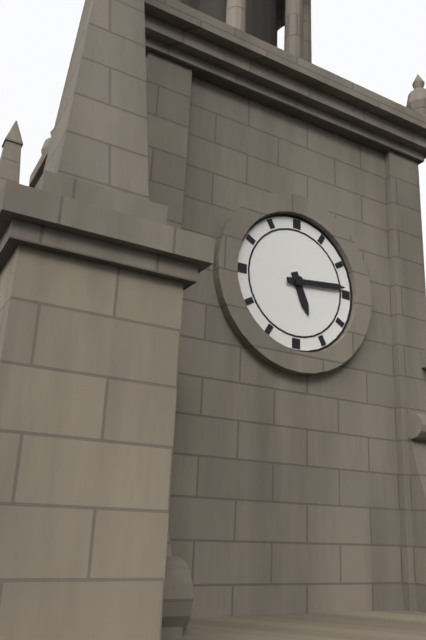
5,14
